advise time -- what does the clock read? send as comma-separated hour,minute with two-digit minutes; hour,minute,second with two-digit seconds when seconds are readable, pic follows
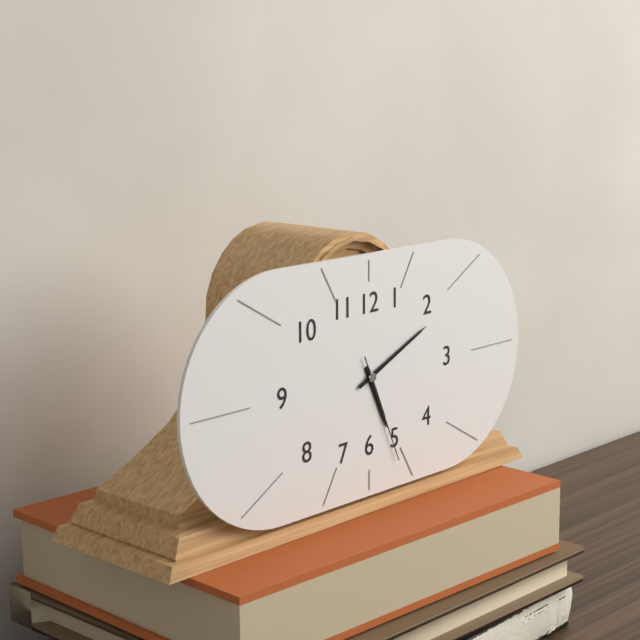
5,11,26
